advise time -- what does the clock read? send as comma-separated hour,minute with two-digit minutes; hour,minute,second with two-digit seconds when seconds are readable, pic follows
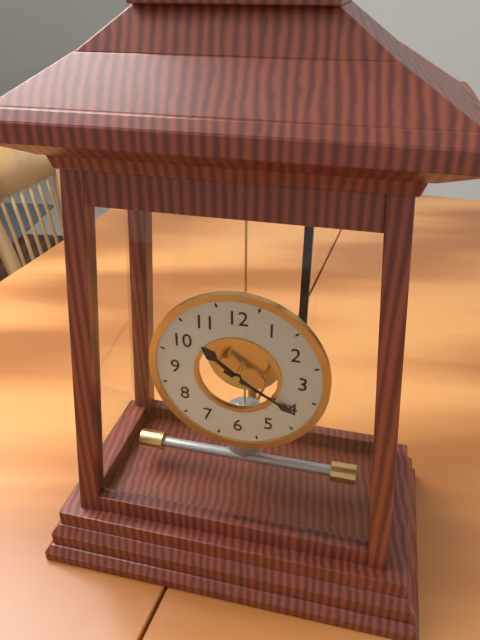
10,20
